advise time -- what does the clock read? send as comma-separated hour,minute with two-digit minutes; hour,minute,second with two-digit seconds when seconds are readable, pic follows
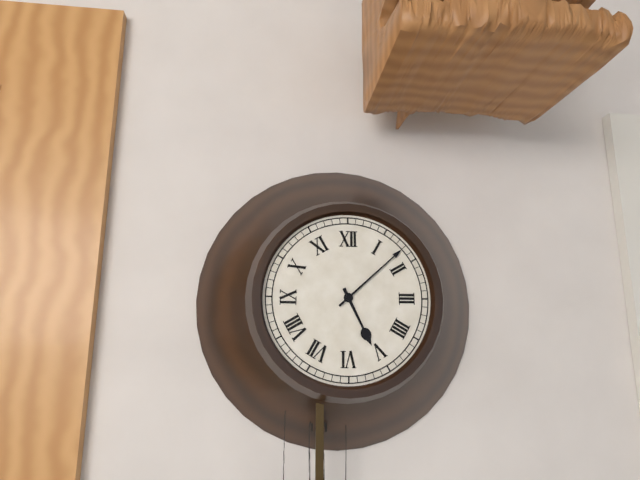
5,08
